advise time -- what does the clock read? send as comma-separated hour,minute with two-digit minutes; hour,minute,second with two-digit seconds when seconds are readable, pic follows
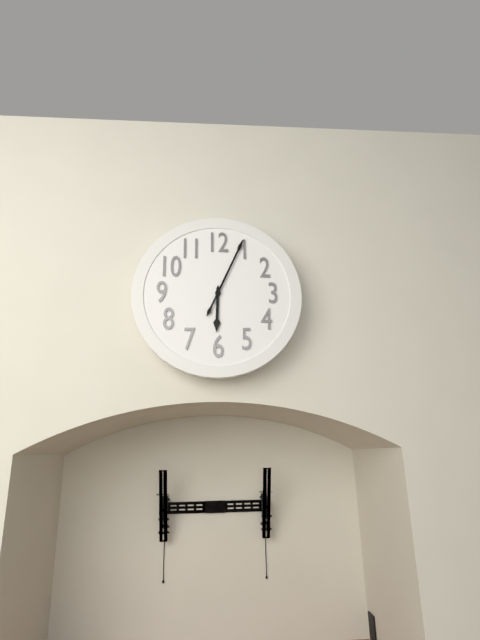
6,04
